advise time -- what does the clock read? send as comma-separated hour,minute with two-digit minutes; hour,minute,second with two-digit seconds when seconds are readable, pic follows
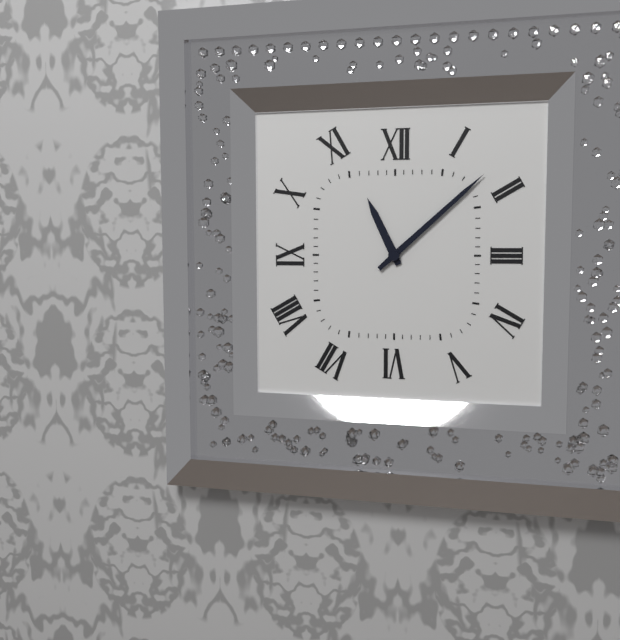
11,08
